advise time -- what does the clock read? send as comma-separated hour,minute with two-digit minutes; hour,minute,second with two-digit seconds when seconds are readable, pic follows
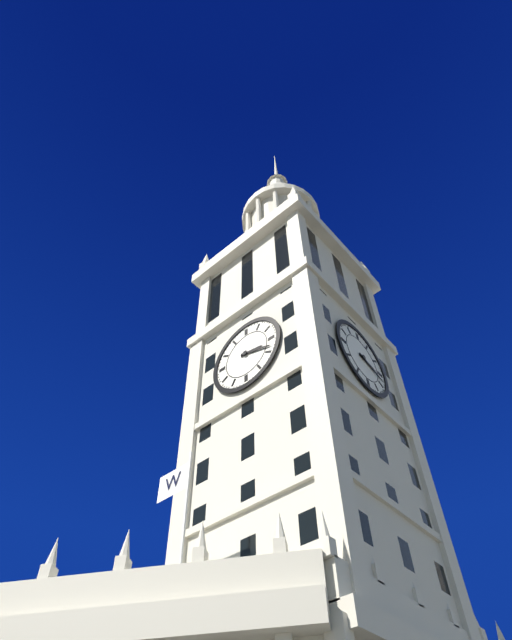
3,18
